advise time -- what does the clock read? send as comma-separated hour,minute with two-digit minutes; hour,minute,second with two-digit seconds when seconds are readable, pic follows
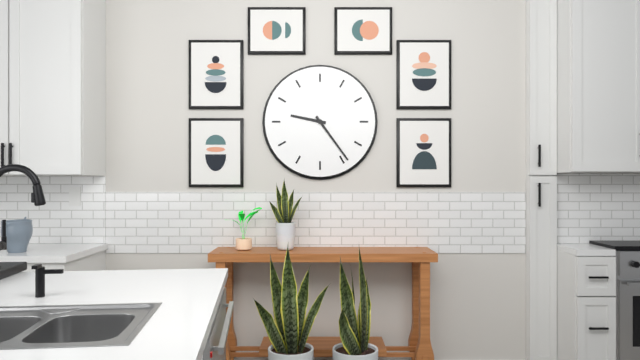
9,24
